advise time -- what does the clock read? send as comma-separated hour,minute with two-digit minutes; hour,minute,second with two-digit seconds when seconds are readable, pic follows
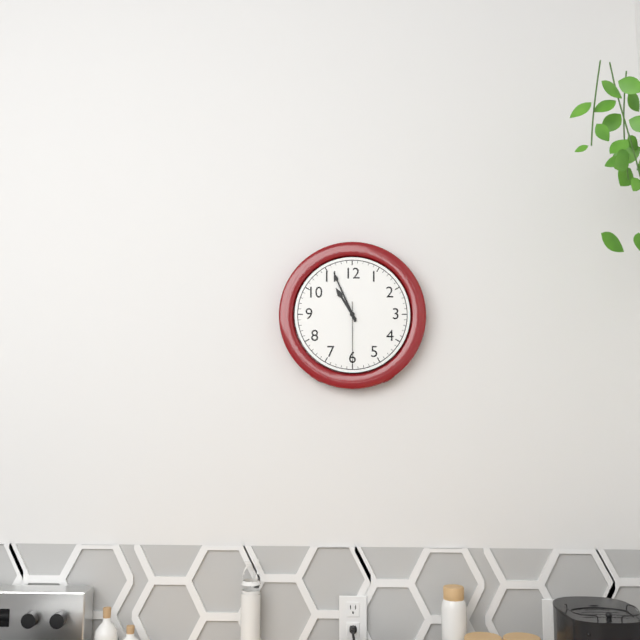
10,56,30
